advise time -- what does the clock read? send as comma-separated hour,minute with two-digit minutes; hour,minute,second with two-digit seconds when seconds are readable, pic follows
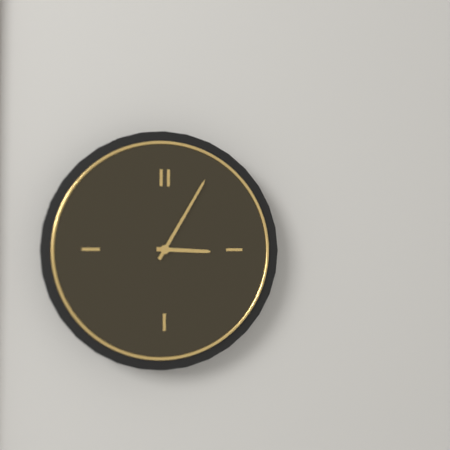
3,05
